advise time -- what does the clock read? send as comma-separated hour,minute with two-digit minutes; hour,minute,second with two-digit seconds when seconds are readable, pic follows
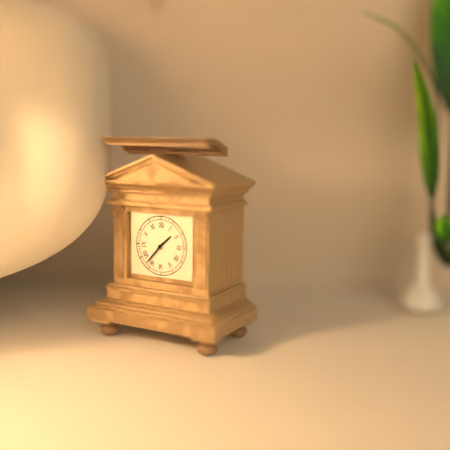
1,37
